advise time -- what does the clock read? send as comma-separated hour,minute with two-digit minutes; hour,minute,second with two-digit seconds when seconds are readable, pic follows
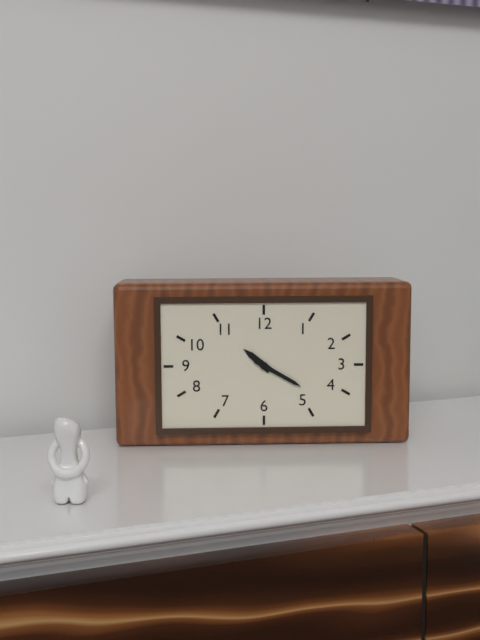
10,20
